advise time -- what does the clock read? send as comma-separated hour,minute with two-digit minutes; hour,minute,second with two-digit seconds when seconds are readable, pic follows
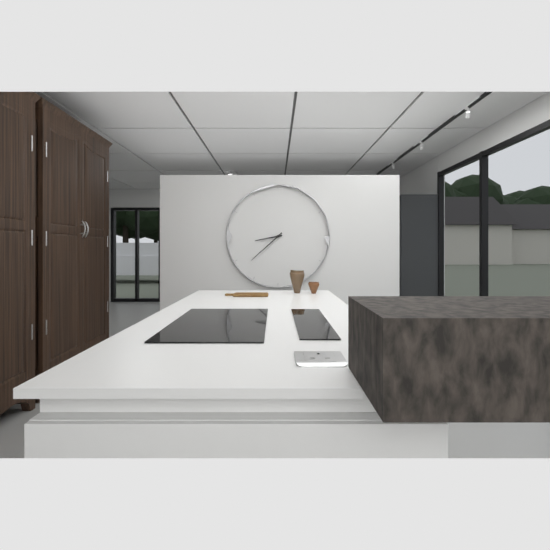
8,38
